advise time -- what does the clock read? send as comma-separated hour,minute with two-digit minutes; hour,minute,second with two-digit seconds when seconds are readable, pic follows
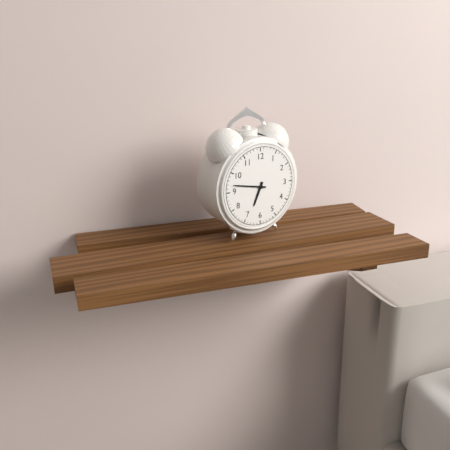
6,47
